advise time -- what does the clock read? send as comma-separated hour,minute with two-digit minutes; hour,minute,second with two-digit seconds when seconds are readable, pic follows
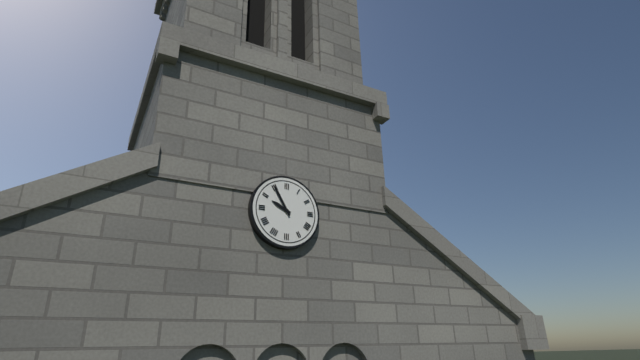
9,55
